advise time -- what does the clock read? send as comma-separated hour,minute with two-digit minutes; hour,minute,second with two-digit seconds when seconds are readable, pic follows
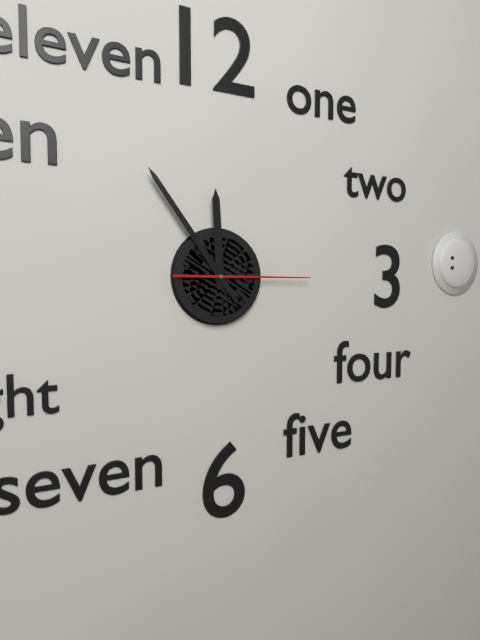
11,54,15
